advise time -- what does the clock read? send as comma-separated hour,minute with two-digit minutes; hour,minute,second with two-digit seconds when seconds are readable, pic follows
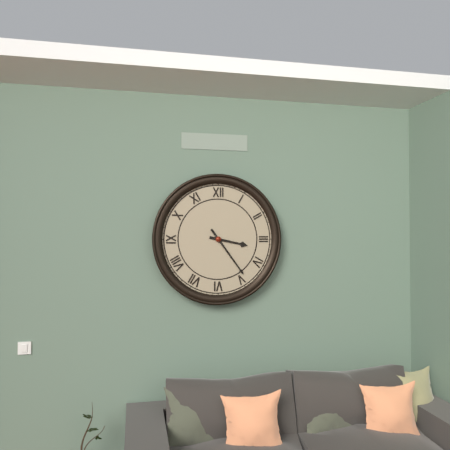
3,24
